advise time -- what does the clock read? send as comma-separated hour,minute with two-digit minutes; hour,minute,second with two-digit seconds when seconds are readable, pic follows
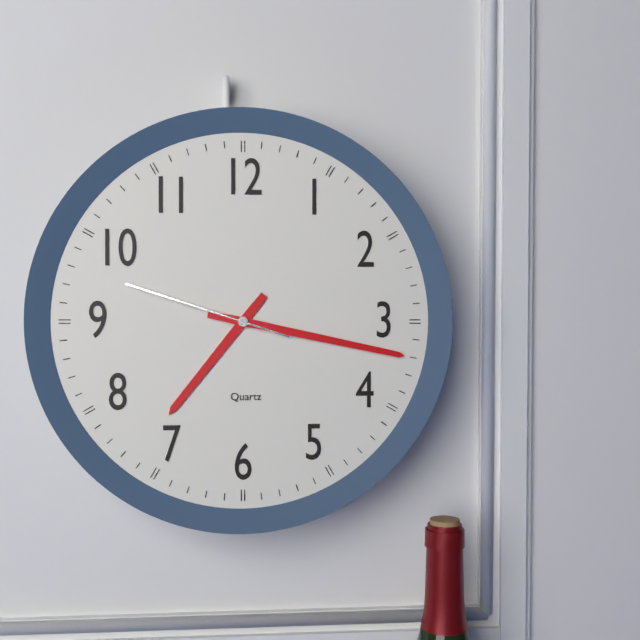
7,17,48
